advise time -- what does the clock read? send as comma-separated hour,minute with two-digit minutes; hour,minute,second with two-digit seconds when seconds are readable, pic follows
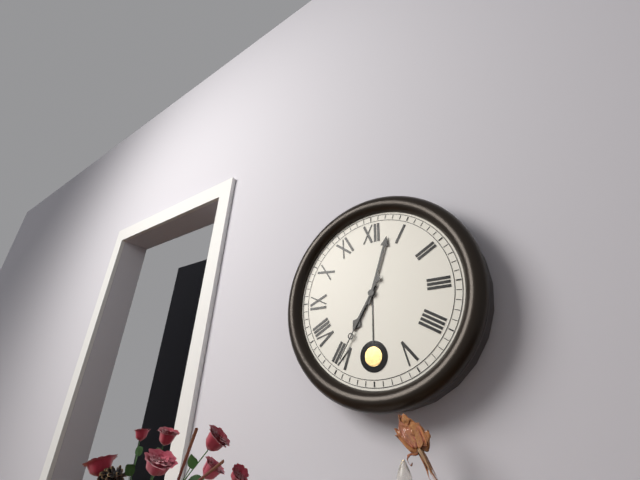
7,03,35
